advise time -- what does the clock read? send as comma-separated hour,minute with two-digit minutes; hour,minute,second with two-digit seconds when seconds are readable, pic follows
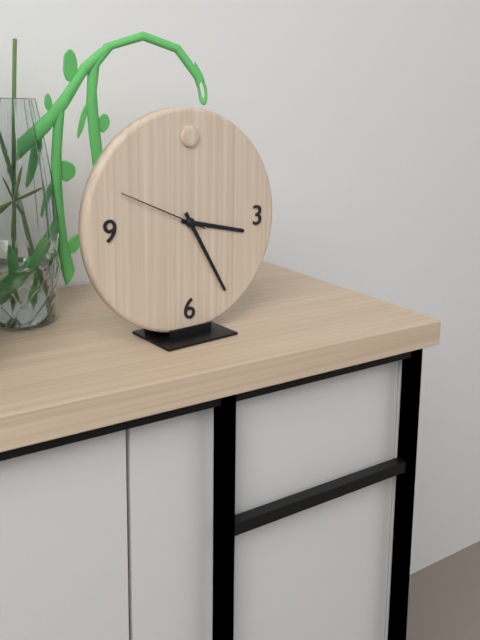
3,25,49
